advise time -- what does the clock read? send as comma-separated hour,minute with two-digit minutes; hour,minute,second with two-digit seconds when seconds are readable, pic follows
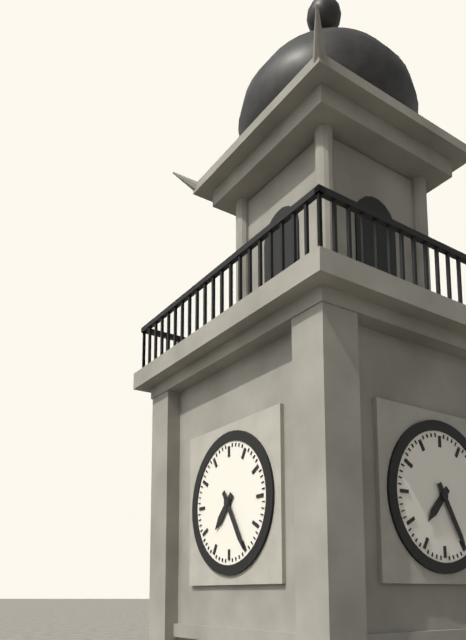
7,25
